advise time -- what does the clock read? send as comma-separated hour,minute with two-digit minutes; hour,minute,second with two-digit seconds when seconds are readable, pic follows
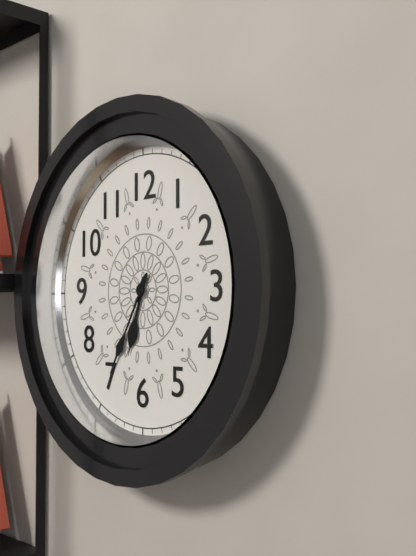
6,35
